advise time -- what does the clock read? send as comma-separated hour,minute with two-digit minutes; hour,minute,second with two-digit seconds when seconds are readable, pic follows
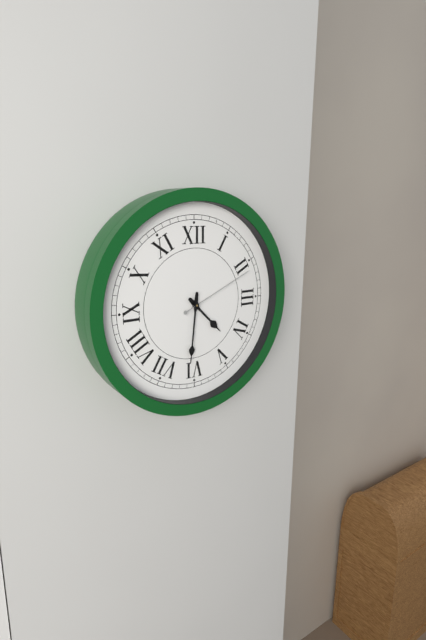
4,31,11
